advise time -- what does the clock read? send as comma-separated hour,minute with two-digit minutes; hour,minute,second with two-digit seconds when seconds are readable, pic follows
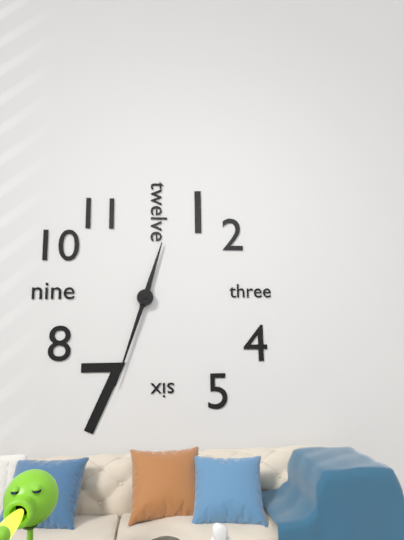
12,33
